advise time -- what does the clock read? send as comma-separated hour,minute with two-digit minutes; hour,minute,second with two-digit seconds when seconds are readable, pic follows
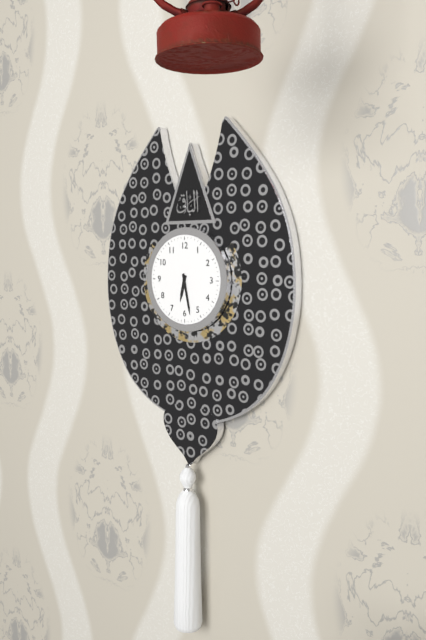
6,28
